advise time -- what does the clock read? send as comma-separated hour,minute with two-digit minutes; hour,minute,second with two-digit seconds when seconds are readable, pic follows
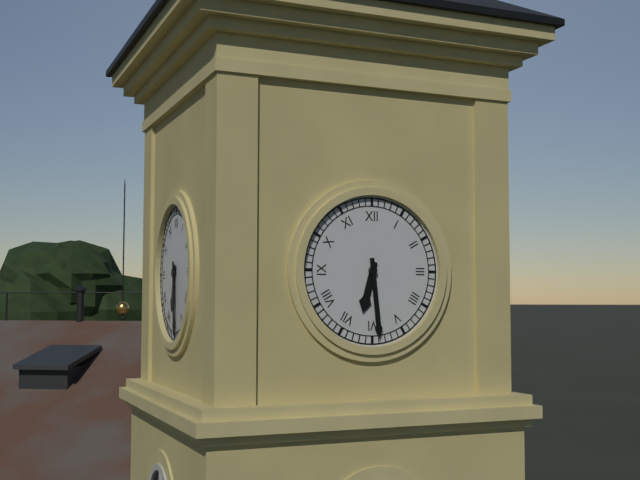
6,29
